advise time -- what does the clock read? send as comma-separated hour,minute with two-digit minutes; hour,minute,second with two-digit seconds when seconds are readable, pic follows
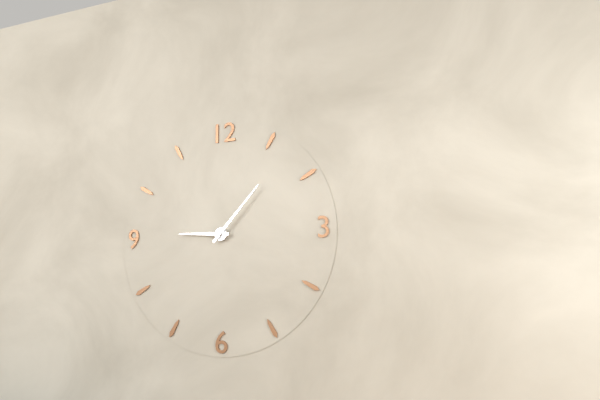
9,07
